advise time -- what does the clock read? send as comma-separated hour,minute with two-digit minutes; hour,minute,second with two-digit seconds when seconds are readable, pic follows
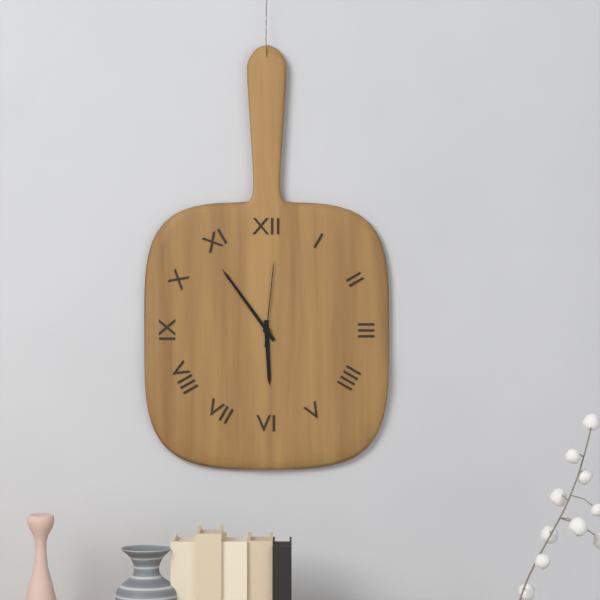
5,54,01
